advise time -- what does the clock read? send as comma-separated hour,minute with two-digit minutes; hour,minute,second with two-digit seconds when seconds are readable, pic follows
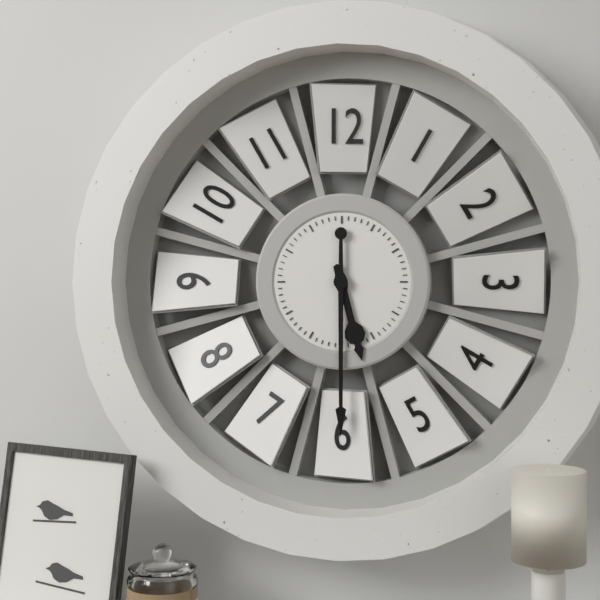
5,30
